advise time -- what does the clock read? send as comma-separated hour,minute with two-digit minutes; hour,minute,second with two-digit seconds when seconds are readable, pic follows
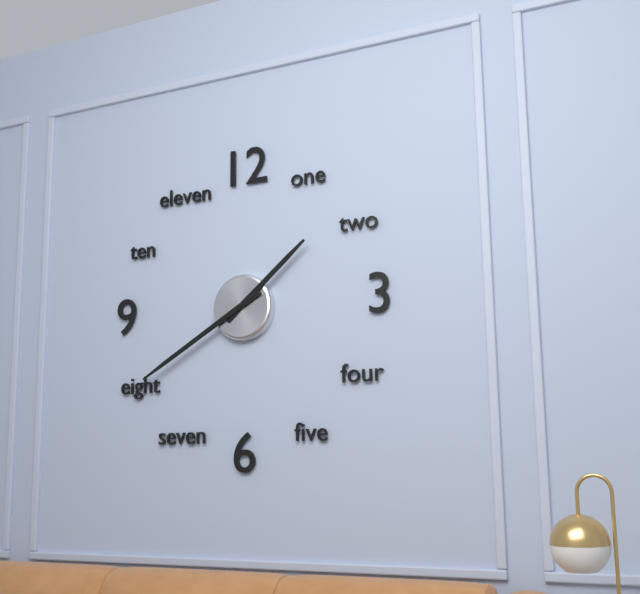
1,40
